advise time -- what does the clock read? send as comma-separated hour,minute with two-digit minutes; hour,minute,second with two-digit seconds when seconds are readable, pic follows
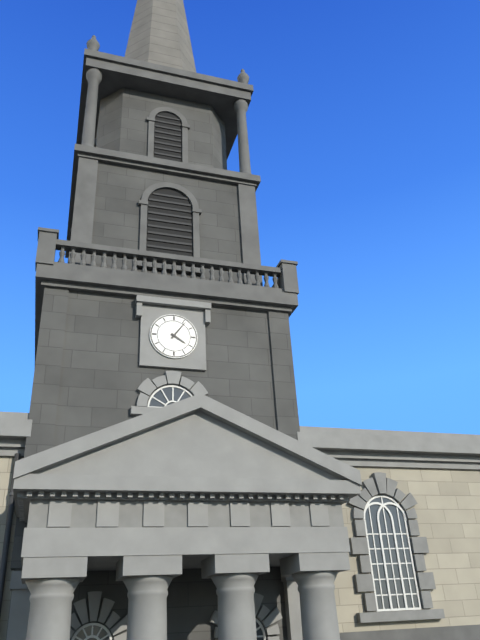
4,06
